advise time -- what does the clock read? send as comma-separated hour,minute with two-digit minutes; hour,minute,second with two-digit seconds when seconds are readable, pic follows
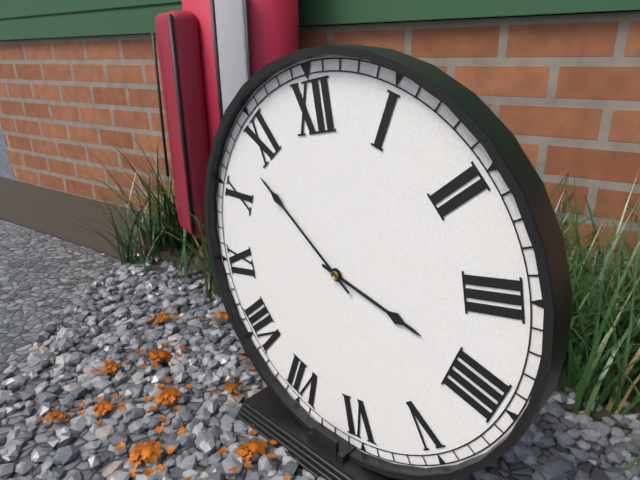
3,53
